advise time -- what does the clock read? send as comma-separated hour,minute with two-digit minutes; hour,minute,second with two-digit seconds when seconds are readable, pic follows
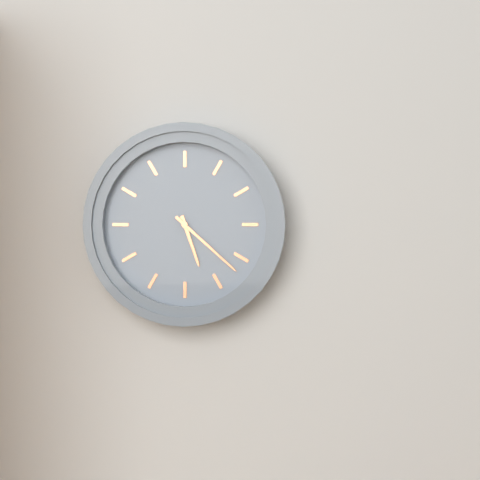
5,22
